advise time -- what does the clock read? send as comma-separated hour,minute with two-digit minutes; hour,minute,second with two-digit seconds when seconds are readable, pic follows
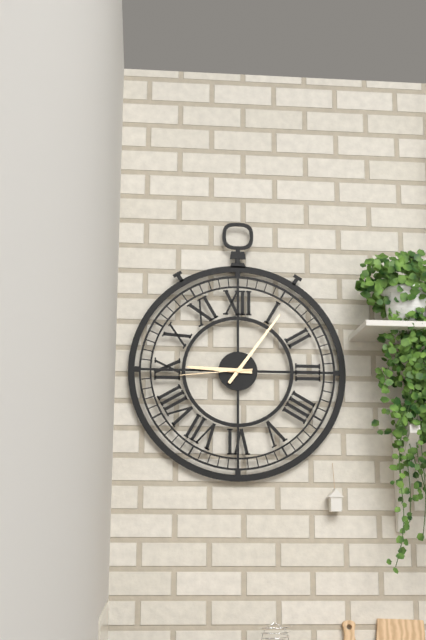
9,06,44
